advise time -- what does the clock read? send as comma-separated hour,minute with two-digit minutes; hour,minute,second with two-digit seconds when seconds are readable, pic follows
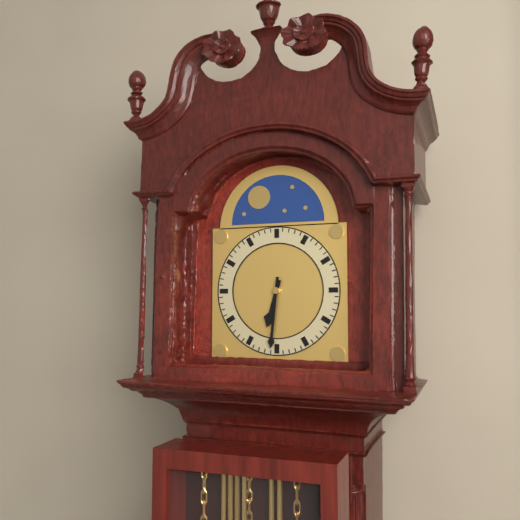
6,31
